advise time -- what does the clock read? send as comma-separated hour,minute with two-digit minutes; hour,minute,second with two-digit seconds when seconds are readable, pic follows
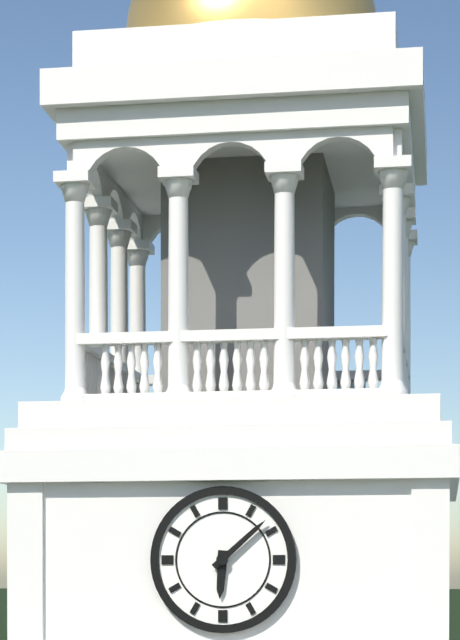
6,08
